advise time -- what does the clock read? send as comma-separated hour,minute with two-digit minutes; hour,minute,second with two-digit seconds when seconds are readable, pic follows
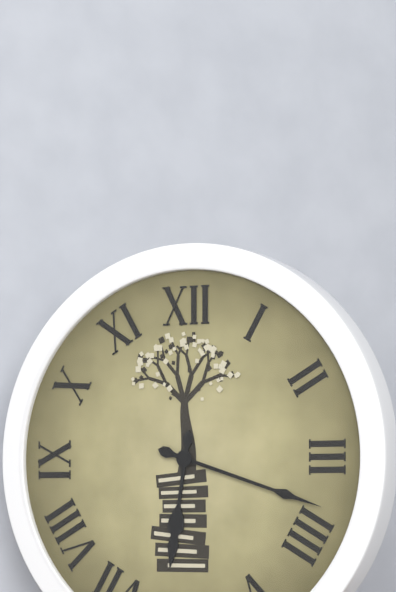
6,18
